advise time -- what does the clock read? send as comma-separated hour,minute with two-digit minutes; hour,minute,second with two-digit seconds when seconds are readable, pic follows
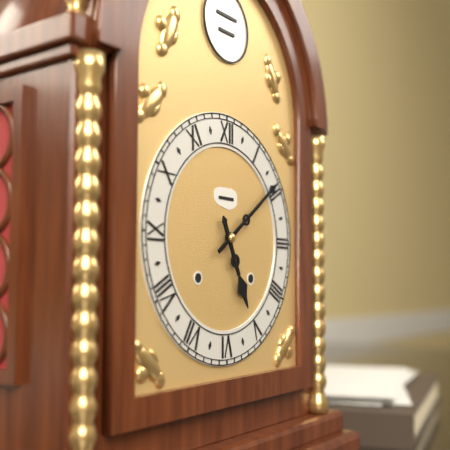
5,09
